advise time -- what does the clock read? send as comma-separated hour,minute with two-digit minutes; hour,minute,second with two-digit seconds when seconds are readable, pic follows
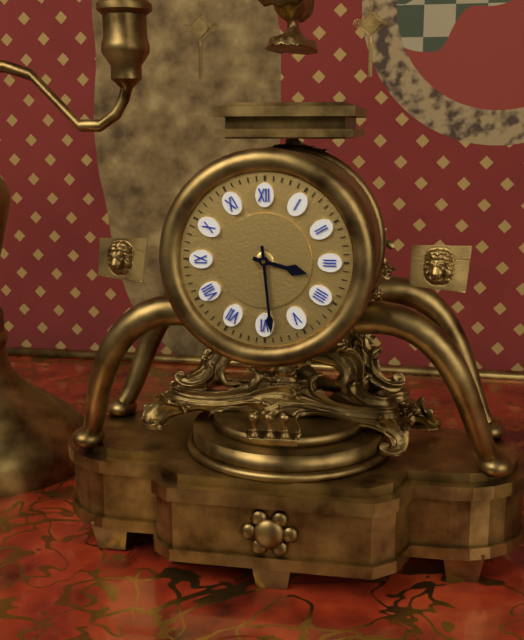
3,29
